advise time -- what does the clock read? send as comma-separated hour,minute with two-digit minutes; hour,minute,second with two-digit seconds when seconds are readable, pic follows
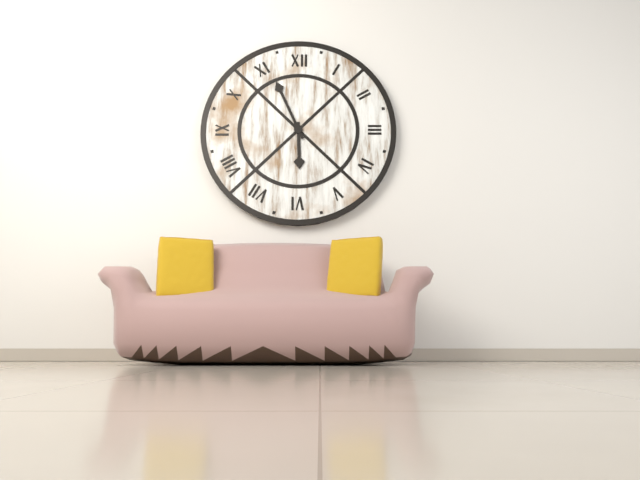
5,56
